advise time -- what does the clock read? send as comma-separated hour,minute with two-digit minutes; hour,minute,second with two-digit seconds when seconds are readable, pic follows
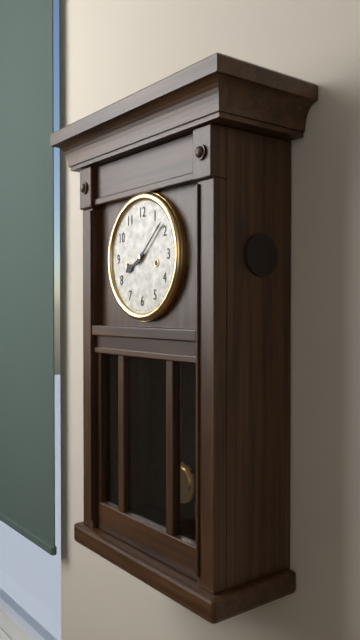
8,08
